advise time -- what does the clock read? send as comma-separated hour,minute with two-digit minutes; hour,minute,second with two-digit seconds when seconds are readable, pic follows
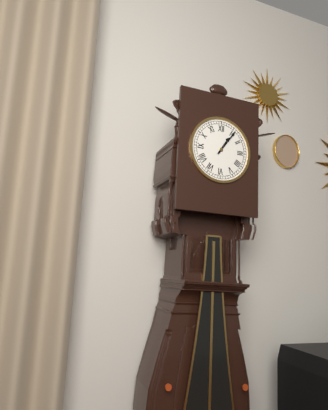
1,06
